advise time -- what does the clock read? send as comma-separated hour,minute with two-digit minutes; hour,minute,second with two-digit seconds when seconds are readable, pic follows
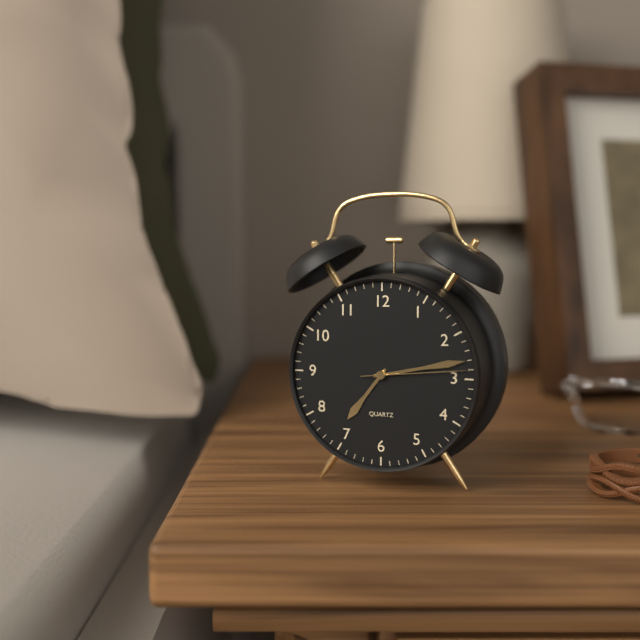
7,13,14
